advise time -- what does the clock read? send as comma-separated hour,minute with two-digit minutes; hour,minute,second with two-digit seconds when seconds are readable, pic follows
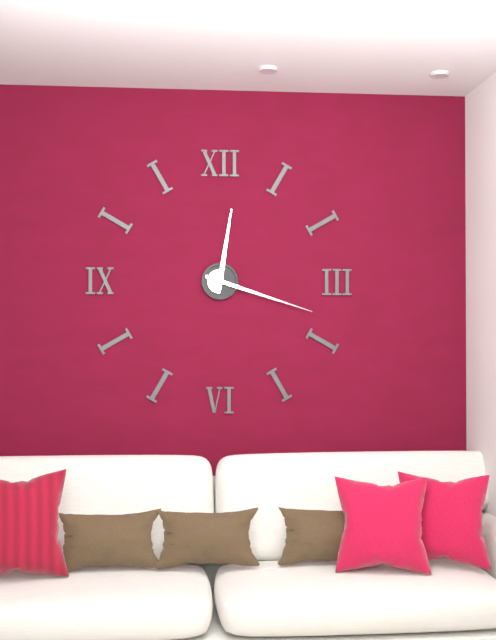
12,18
